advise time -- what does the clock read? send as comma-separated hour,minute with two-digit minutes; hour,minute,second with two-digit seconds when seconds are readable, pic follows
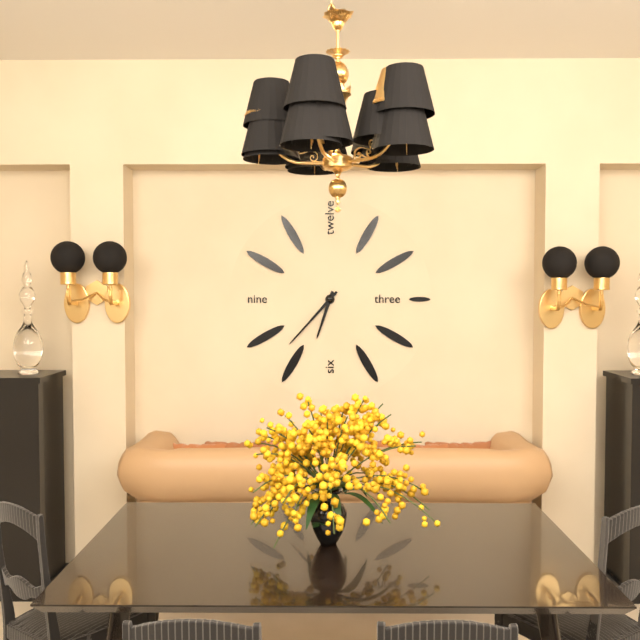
6,37
